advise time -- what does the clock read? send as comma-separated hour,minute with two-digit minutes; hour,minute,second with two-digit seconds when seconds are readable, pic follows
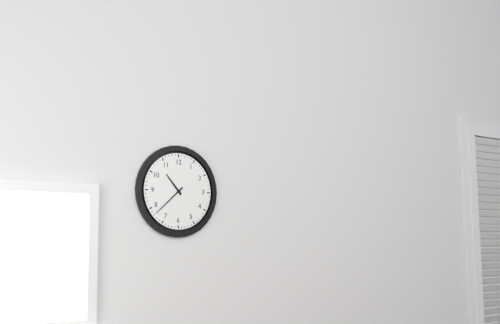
10,38
